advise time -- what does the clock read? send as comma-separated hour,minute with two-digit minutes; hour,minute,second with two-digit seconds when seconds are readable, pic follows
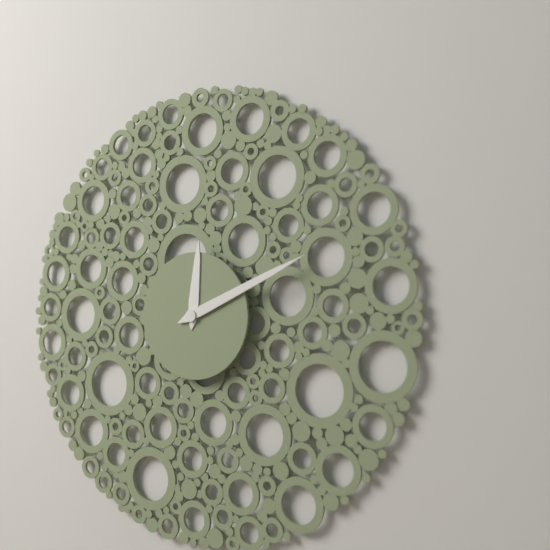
12,11
